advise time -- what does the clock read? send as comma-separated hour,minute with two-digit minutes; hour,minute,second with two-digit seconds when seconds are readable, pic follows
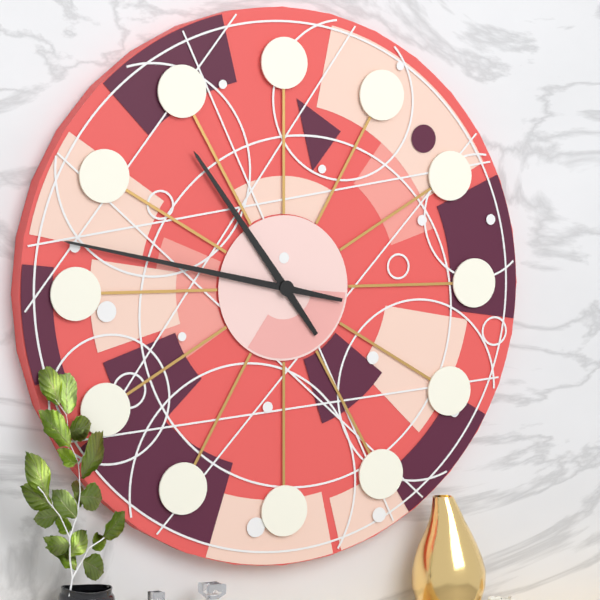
10,47
